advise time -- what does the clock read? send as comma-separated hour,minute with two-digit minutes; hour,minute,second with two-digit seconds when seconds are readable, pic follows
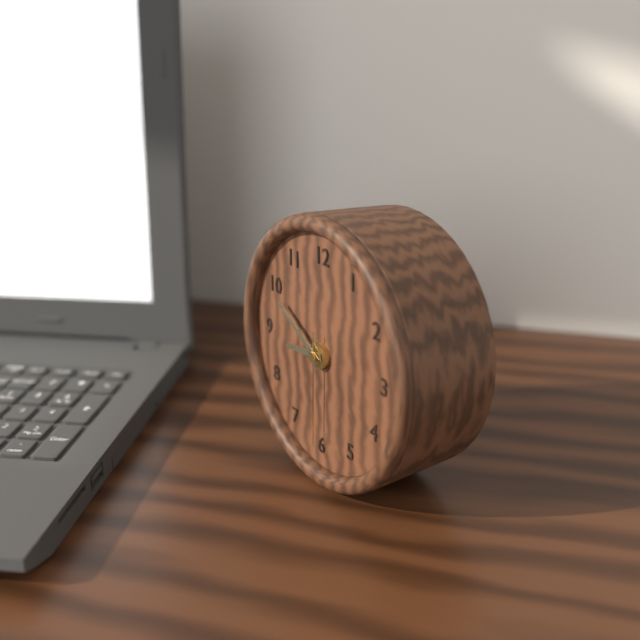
8,50,30
